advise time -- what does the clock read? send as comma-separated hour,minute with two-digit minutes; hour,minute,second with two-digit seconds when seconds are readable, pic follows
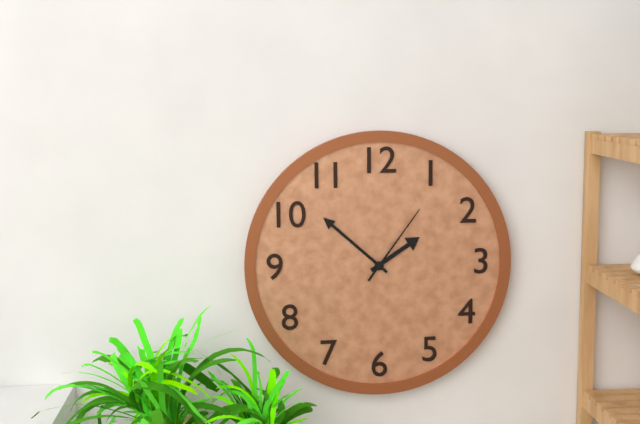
1,52,06
